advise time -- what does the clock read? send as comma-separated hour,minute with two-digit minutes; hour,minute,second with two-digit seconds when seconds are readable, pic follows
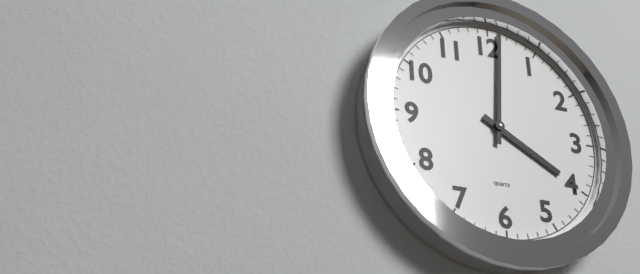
4,01
